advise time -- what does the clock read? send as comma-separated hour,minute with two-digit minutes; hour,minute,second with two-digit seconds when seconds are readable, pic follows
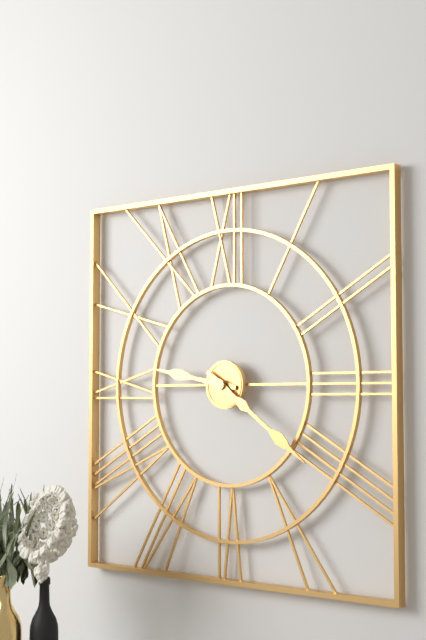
9,21
